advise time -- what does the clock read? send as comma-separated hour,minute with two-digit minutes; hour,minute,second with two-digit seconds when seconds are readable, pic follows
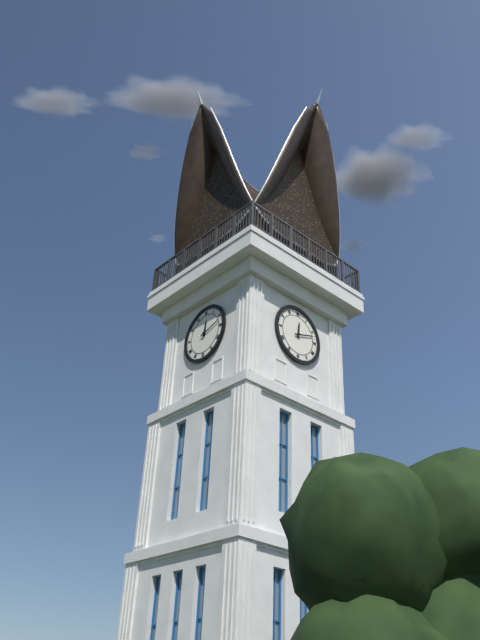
12,12
